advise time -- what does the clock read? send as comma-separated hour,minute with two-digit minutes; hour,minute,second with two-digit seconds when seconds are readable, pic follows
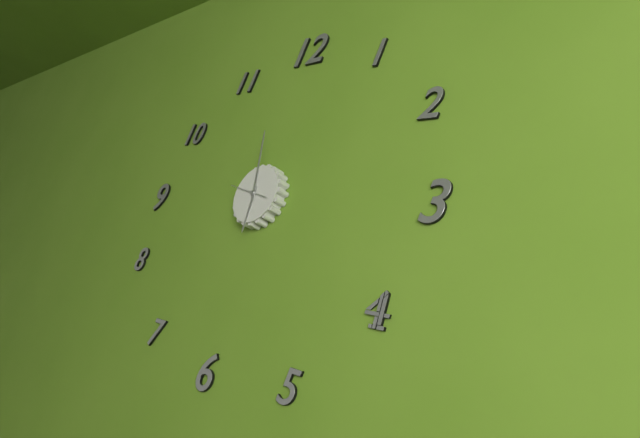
5,58
